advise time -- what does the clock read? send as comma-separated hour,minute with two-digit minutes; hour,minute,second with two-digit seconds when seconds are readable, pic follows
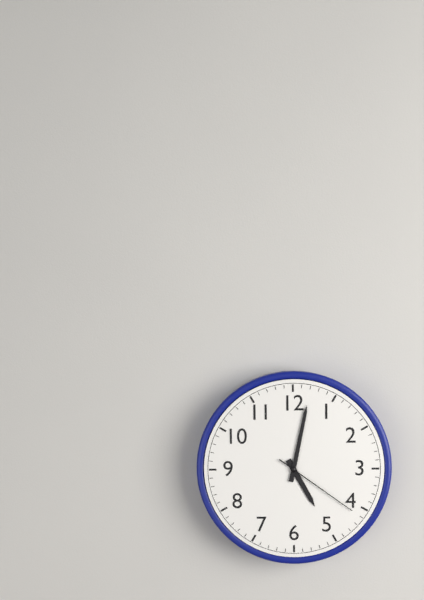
5,02,21
